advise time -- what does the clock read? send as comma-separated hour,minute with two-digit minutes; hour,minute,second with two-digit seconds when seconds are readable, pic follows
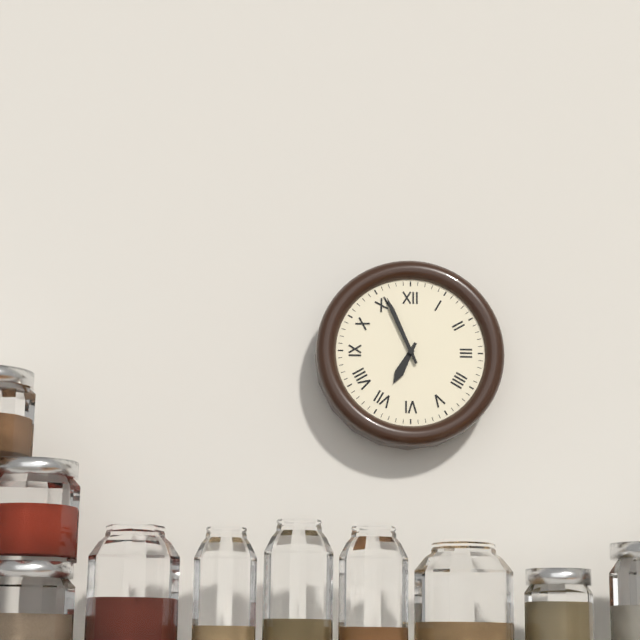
6,56
